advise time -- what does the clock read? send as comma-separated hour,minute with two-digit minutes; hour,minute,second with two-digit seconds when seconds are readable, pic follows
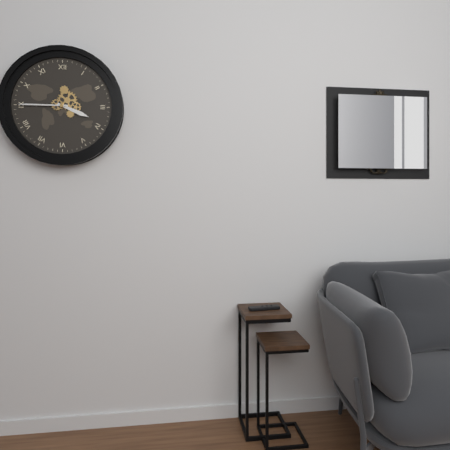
3,45
